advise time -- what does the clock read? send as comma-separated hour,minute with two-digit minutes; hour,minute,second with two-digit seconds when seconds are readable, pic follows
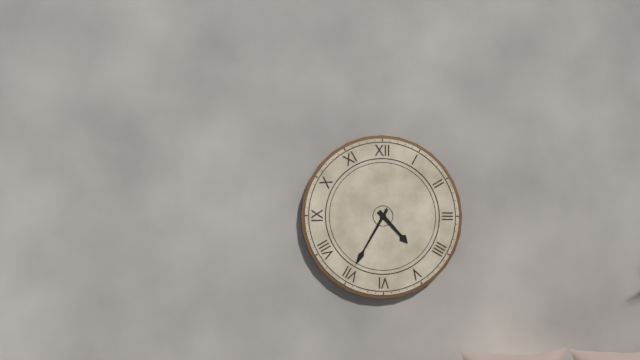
4,35
